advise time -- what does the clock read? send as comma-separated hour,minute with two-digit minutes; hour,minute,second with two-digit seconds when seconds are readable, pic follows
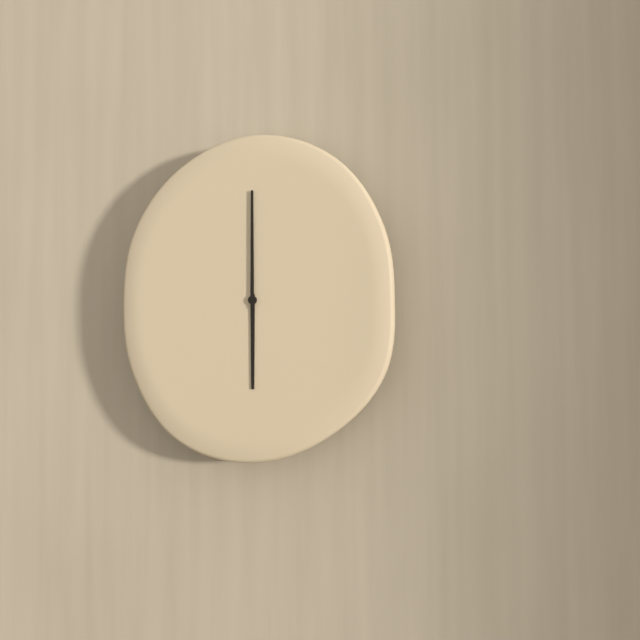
6,00
